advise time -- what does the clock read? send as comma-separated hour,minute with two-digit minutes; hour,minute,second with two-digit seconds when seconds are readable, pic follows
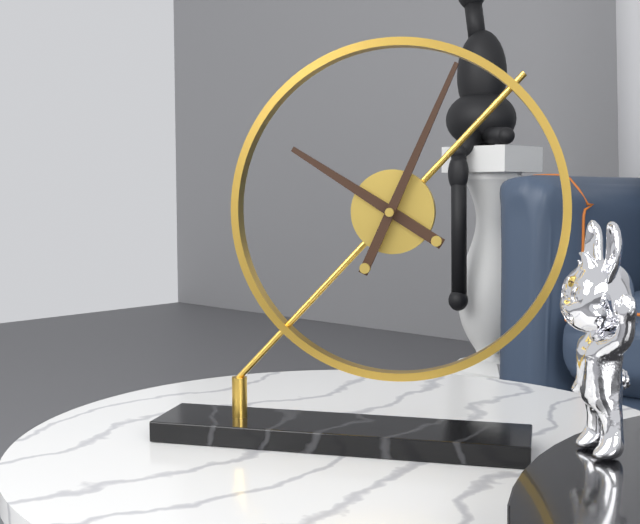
10,04
